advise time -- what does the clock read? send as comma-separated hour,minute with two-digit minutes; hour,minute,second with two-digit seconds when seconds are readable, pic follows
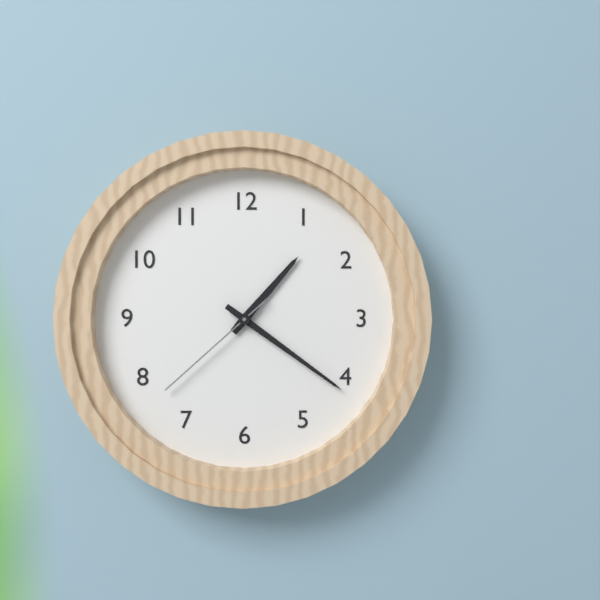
1,21,38
